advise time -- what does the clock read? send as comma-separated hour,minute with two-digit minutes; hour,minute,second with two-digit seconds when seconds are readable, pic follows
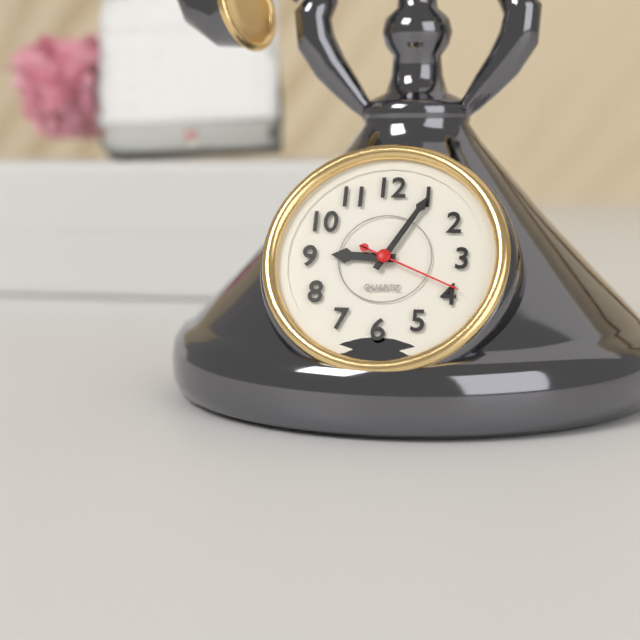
9,05,19
